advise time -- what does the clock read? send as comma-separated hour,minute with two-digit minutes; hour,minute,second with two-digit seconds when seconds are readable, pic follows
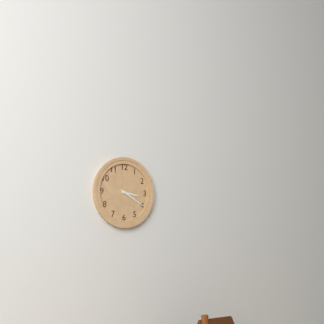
3,20
